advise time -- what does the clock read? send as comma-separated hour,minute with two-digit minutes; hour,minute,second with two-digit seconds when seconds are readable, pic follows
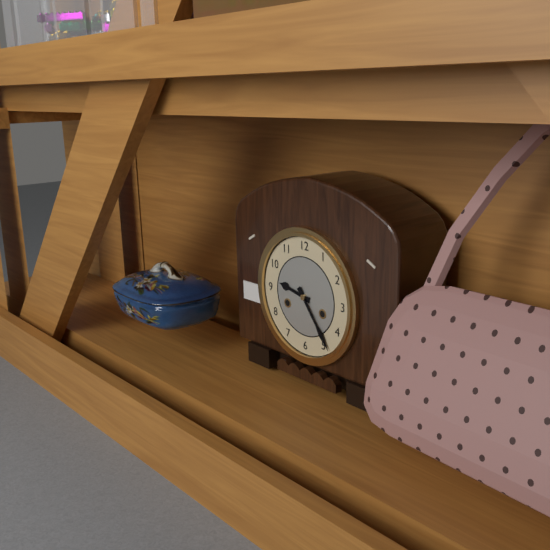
9,24
